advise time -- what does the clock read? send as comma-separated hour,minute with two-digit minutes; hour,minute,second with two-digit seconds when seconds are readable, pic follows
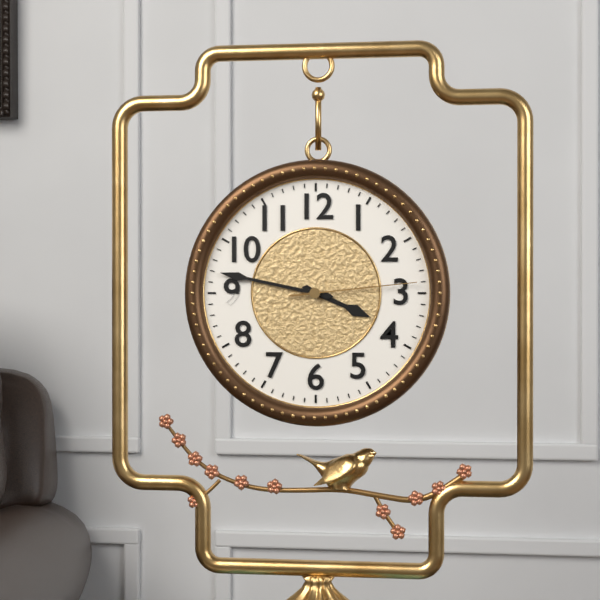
3,47,14
